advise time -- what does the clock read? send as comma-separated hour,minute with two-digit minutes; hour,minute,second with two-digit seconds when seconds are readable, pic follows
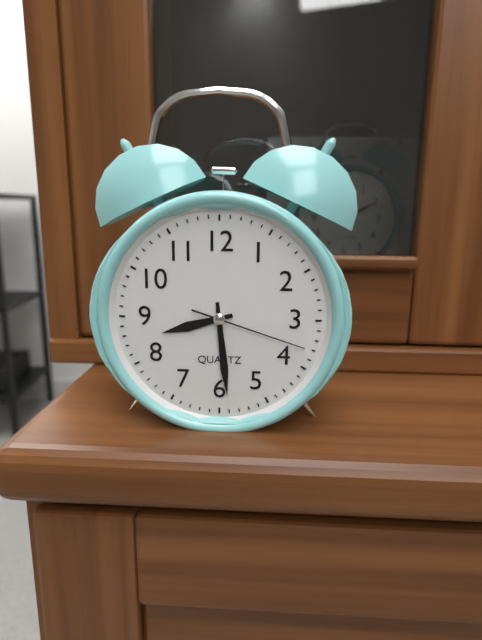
8,29,18
